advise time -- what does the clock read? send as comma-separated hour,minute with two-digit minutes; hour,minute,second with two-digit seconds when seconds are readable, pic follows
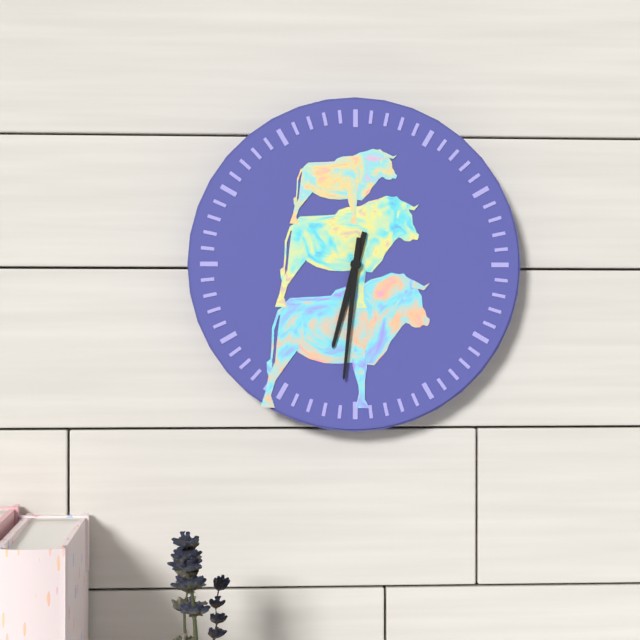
6,31
